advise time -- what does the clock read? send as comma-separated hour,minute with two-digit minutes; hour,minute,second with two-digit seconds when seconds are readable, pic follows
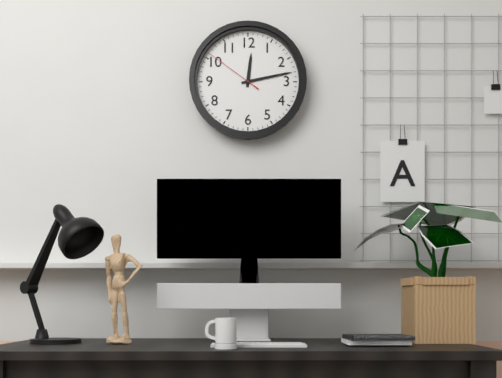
12,13,51
